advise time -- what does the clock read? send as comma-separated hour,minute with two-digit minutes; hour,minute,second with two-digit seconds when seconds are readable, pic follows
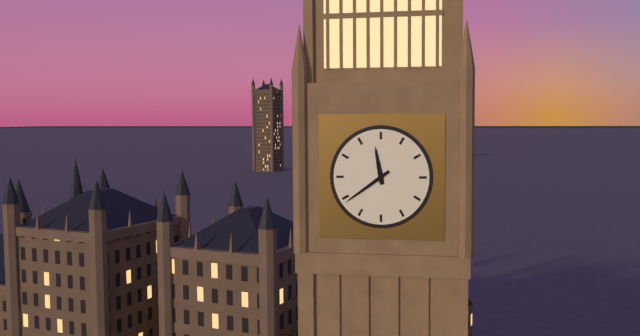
11,39
